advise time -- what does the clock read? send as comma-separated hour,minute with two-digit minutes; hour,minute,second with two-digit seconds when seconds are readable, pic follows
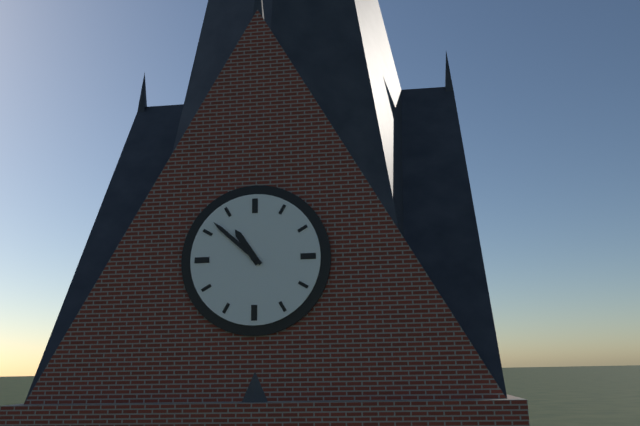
10,52
